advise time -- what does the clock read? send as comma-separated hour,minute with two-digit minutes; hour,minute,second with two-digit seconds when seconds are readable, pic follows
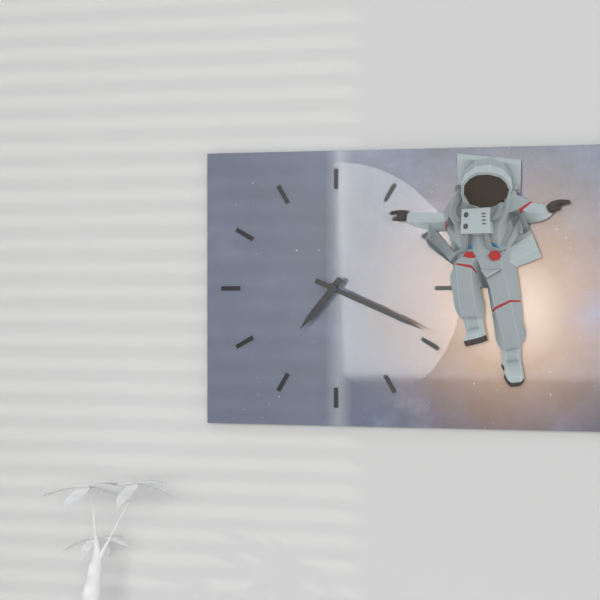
7,19
